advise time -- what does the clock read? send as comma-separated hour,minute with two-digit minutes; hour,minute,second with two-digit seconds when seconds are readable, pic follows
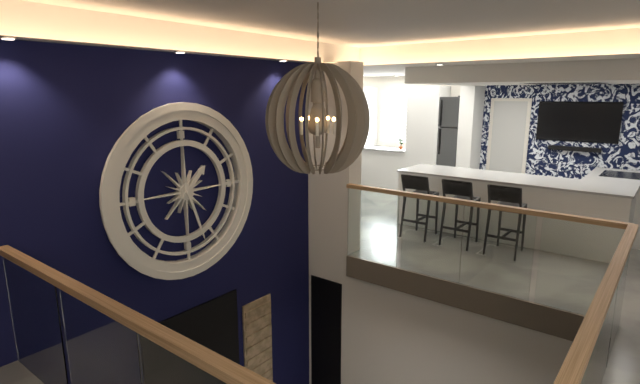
1,27
